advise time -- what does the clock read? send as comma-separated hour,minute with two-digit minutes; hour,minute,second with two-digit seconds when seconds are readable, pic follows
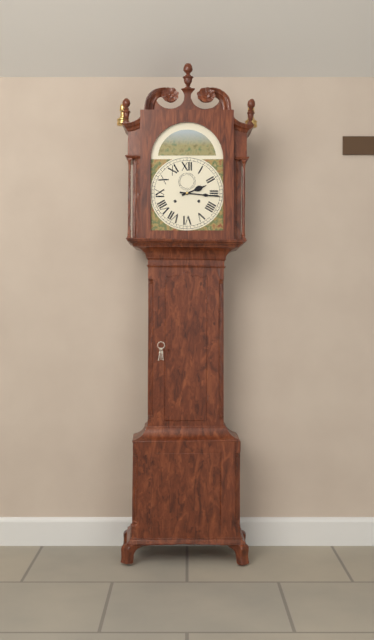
2,16
